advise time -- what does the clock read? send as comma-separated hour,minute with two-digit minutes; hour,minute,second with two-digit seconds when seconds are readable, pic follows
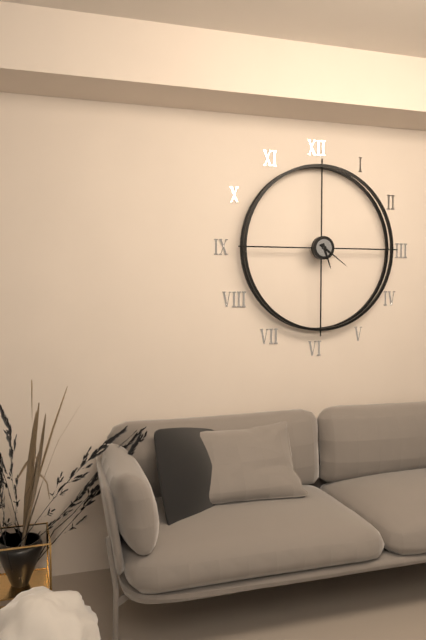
5,21
